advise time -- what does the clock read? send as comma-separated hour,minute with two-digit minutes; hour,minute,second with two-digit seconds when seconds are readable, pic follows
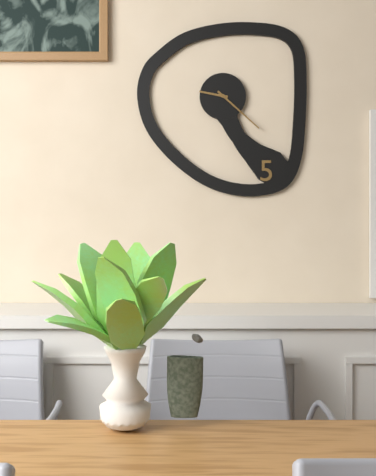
9,22
